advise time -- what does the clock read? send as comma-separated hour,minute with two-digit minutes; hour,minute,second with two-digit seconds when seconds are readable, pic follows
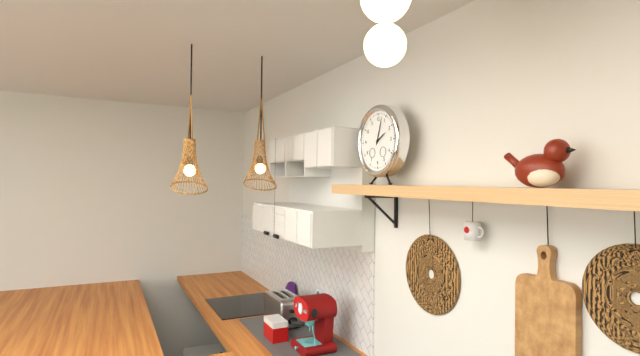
2,03
